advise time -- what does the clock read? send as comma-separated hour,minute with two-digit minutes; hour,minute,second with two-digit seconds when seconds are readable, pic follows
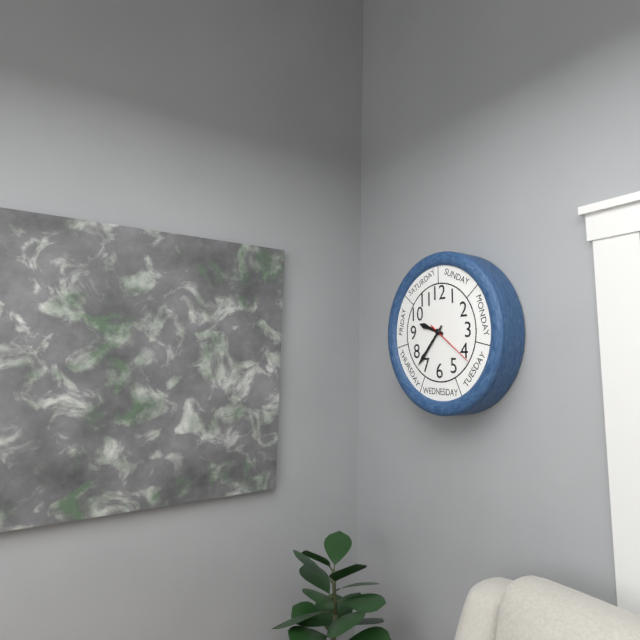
9,37,21
